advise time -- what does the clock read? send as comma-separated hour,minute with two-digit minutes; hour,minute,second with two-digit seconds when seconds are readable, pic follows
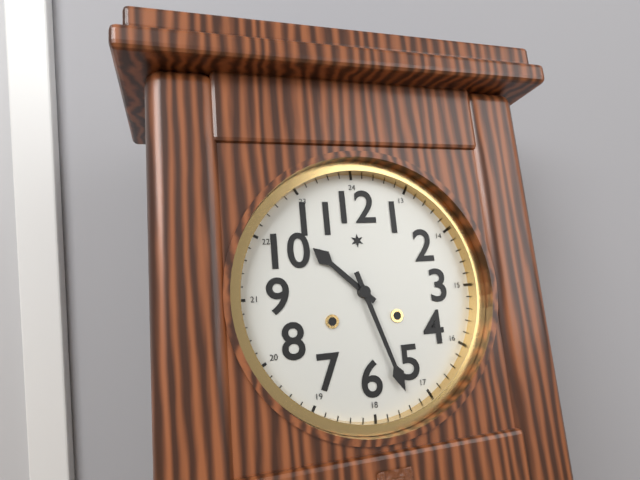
10,27
